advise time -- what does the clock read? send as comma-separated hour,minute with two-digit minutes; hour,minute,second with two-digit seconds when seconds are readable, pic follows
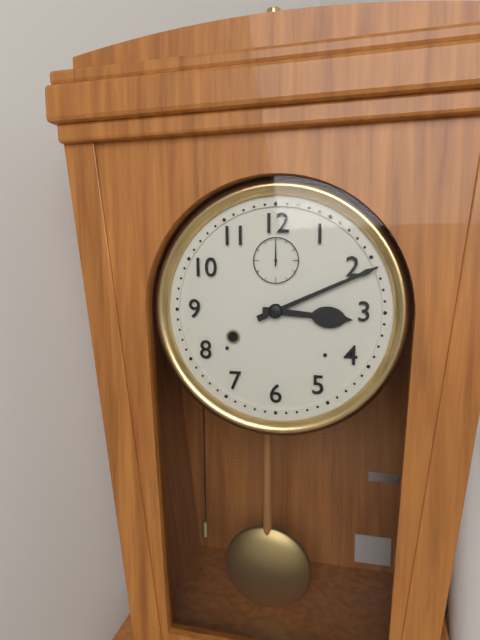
3,11
